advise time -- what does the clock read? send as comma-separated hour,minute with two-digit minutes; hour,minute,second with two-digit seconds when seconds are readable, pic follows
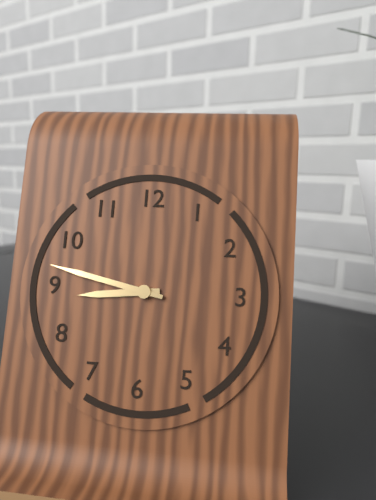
8,47
